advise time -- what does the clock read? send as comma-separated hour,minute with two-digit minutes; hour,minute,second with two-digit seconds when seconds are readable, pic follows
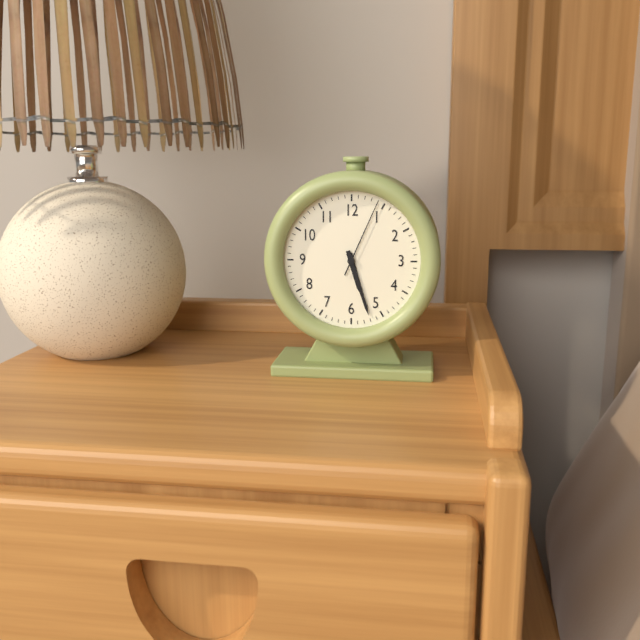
5,27,04
